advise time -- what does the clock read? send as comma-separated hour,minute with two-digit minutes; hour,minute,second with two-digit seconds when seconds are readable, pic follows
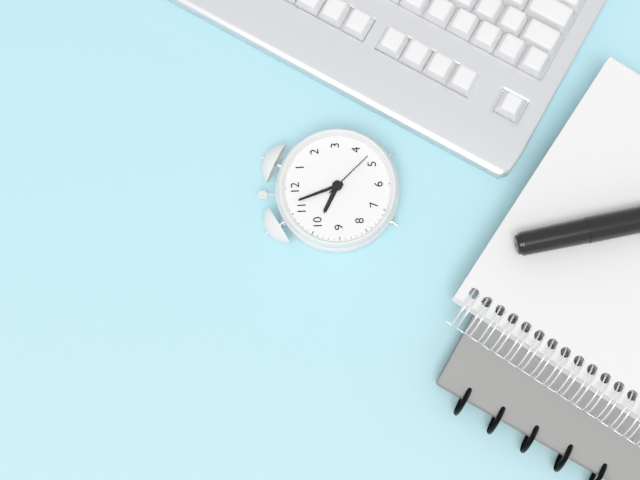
9,57,23
